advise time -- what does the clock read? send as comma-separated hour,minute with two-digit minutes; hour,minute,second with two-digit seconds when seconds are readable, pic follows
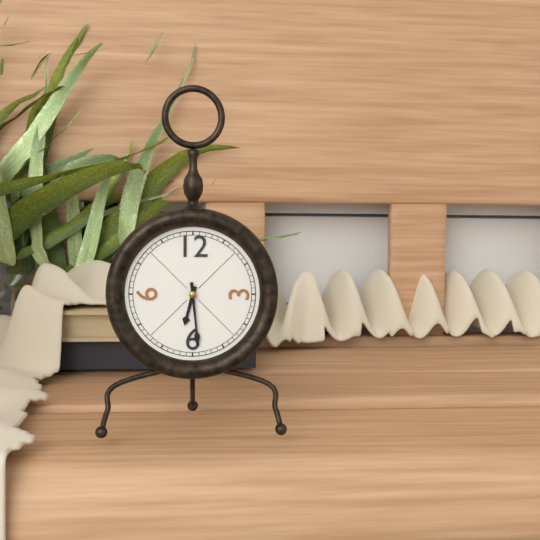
6,29
